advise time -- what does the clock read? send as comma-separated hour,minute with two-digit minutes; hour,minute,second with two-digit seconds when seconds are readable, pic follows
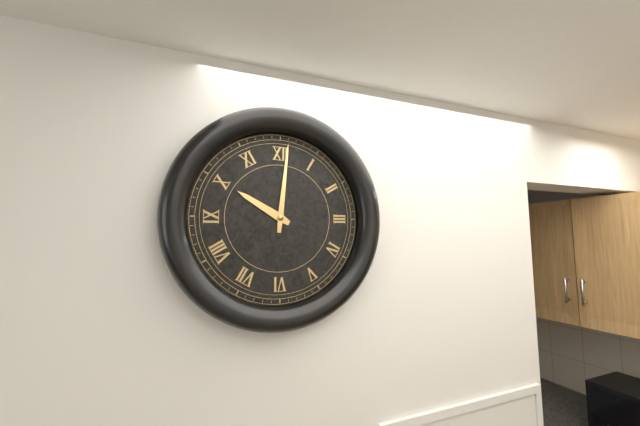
10,01
